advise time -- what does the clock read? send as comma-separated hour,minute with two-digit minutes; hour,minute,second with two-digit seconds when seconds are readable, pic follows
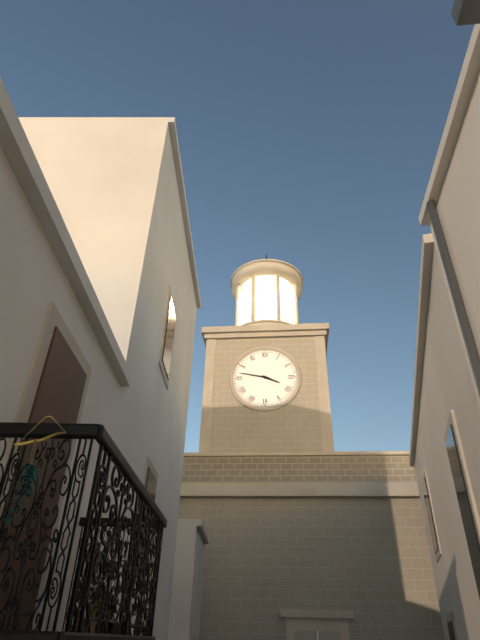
3,47
